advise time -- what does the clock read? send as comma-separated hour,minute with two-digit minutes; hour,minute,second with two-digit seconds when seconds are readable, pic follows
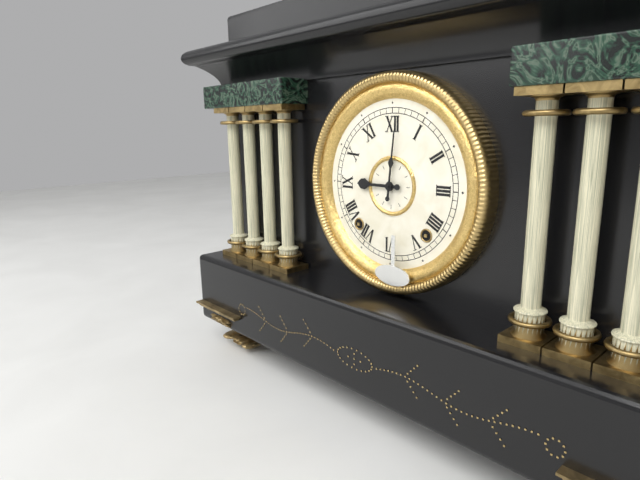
9,01
